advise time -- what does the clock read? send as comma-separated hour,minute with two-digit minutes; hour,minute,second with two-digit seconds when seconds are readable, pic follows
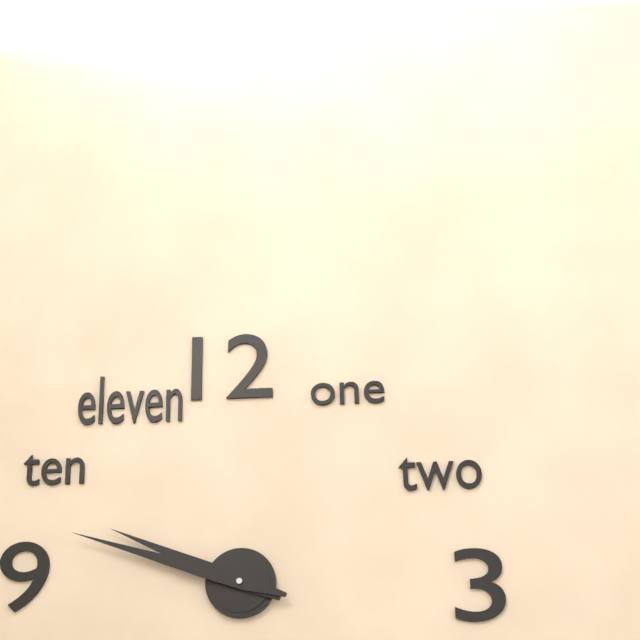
9,48
